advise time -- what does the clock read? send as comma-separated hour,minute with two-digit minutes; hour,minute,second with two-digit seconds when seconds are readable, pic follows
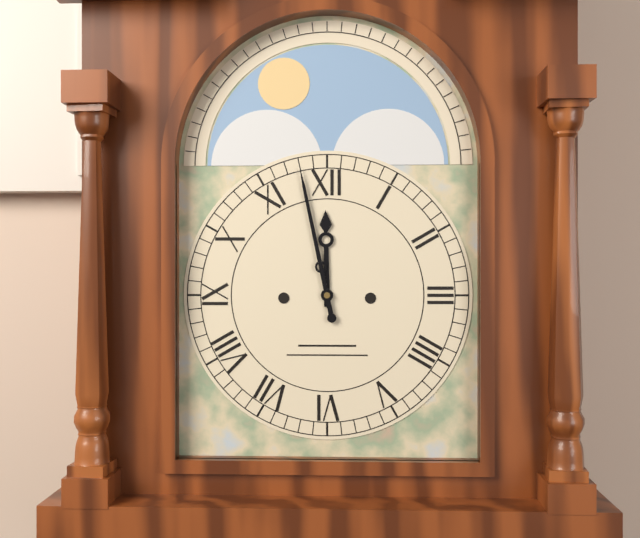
11,58
